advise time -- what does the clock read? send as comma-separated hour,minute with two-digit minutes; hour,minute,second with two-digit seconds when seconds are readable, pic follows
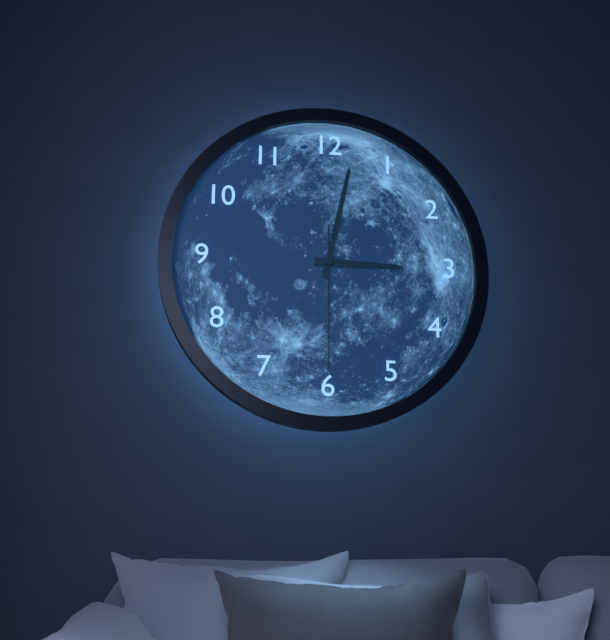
3,02,30
